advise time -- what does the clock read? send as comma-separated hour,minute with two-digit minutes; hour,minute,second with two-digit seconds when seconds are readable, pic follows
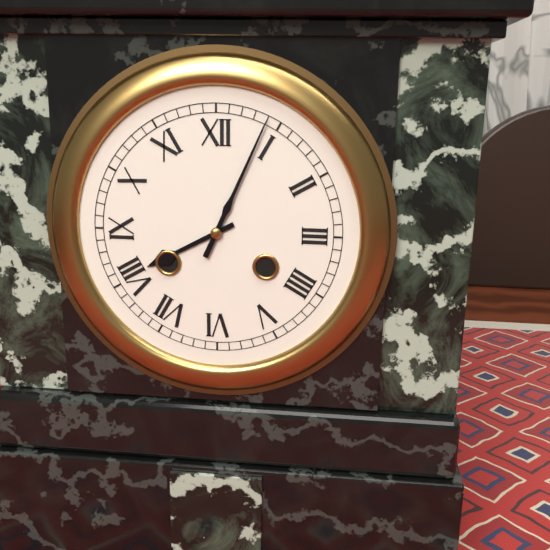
8,04
